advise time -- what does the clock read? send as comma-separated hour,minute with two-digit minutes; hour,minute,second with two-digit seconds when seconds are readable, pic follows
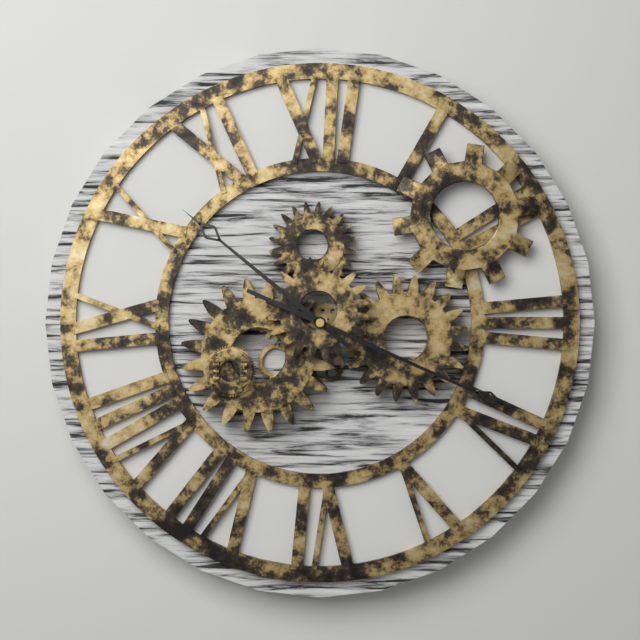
10,19
